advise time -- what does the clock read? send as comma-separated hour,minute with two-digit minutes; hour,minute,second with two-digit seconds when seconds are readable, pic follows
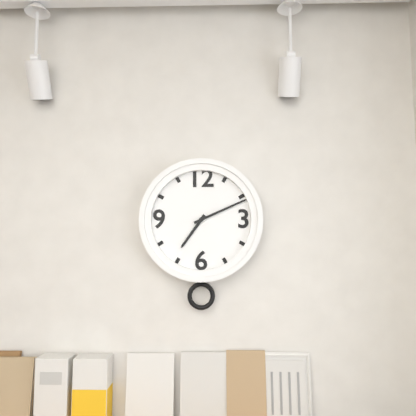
7,11
